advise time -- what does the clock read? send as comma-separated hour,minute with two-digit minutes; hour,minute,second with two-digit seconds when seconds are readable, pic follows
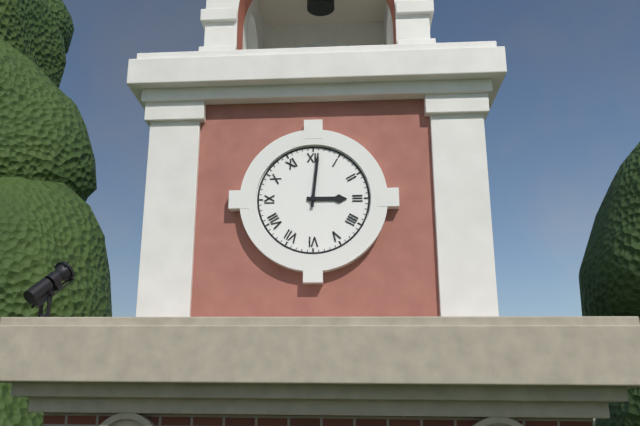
3,01
